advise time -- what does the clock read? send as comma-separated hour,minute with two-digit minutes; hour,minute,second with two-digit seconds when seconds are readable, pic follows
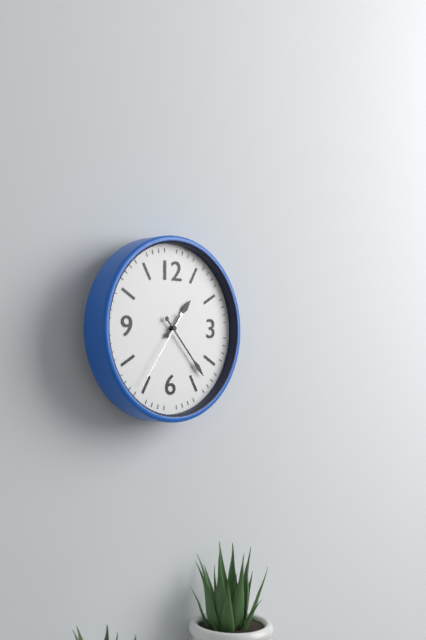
1,23,36
